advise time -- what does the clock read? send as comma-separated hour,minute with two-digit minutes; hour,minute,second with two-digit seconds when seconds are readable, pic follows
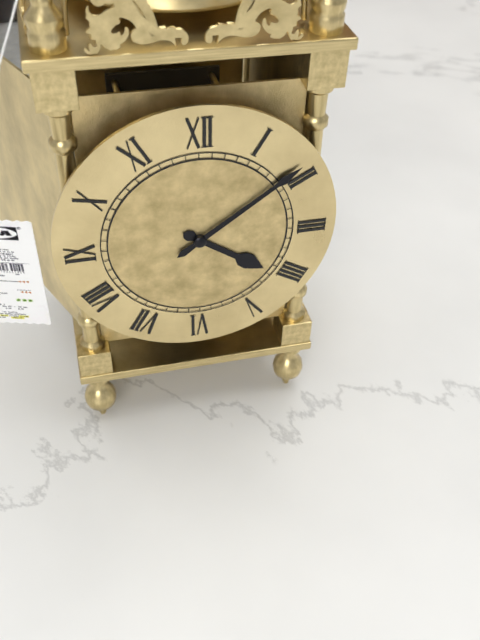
4,09
